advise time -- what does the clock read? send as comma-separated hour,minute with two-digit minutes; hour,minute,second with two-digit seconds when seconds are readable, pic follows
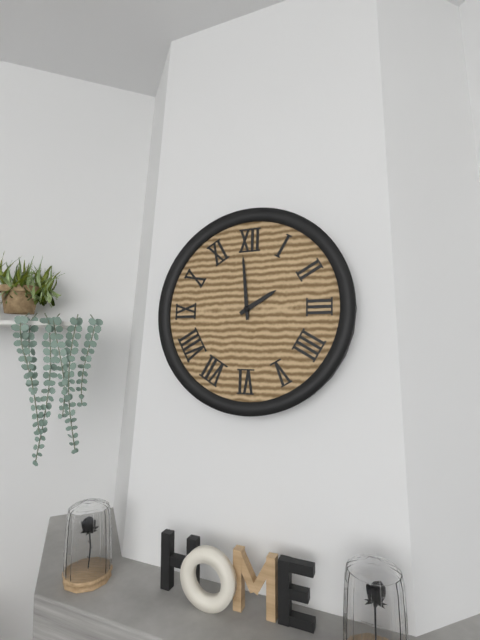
1,59
